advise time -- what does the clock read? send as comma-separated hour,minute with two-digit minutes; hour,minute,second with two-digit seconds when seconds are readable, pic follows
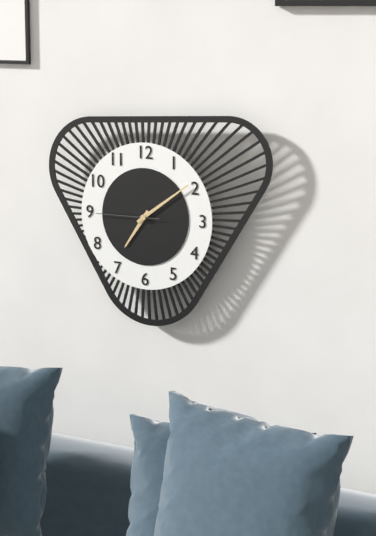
7,09,45
